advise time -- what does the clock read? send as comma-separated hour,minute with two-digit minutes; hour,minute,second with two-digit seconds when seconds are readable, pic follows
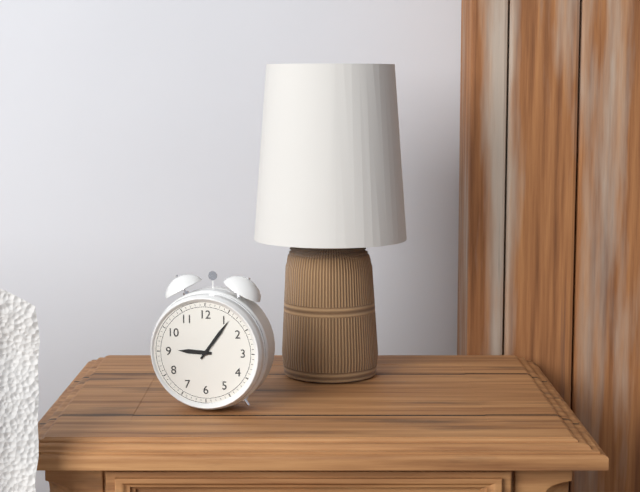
9,06
